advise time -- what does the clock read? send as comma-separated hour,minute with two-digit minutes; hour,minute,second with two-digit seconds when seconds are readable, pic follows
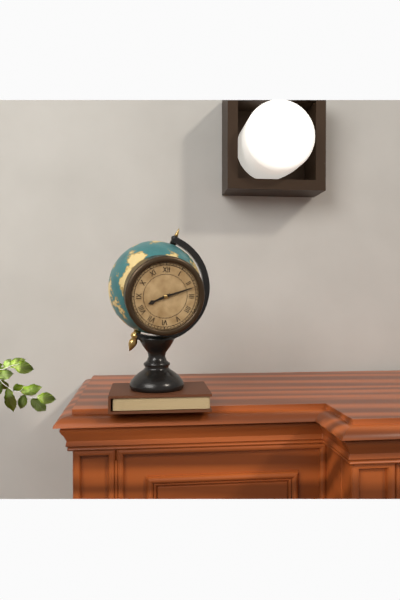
8,12
